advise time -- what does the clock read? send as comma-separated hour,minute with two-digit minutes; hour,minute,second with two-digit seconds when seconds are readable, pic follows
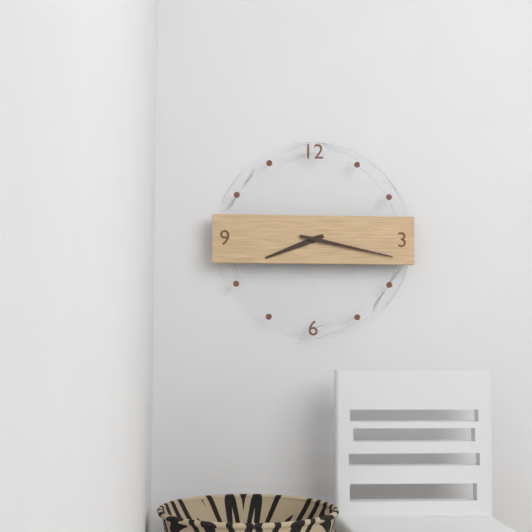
8,17
